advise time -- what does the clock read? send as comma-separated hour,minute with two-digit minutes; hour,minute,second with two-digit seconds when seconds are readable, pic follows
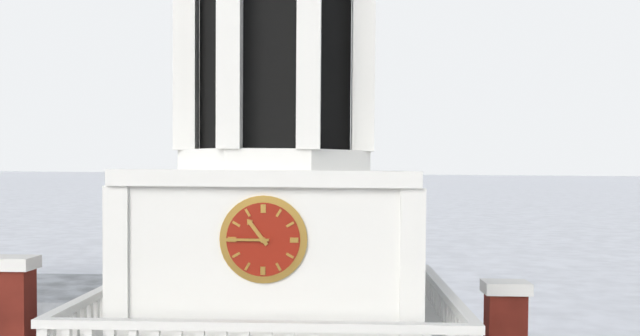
10,45
